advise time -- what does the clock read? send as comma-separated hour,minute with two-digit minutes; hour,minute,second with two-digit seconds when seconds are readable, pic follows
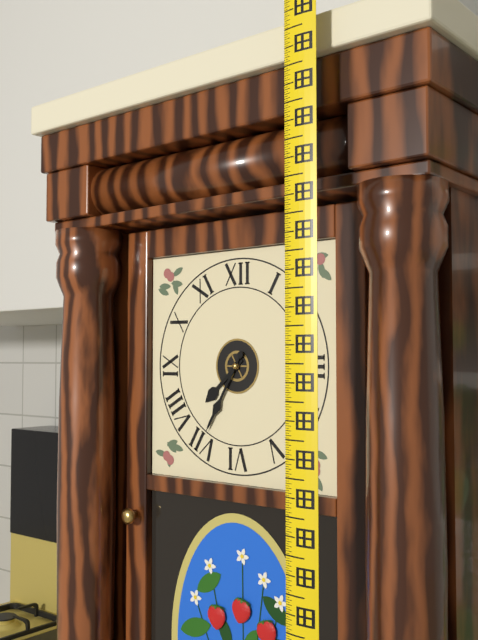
7,35
